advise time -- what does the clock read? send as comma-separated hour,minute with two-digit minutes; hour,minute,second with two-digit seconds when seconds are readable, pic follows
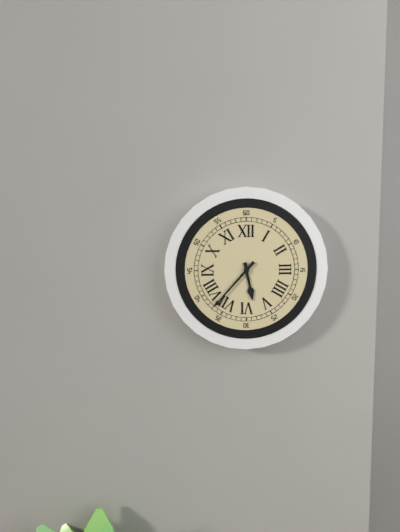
5,37
